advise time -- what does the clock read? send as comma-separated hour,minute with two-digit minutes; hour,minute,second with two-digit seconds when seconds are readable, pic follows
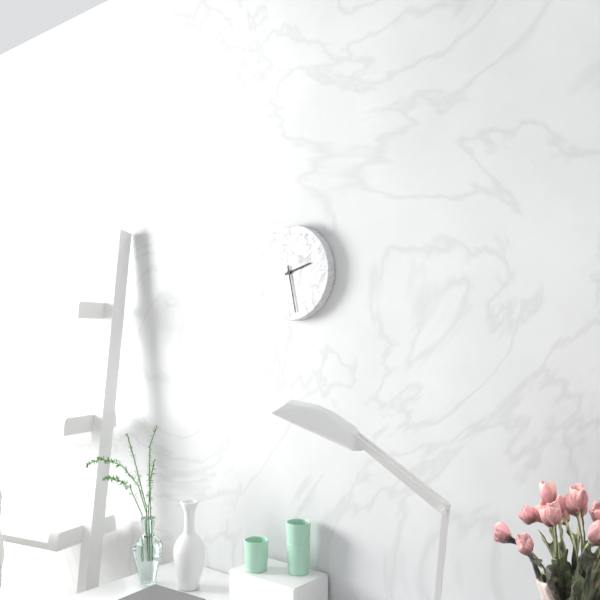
2,28
